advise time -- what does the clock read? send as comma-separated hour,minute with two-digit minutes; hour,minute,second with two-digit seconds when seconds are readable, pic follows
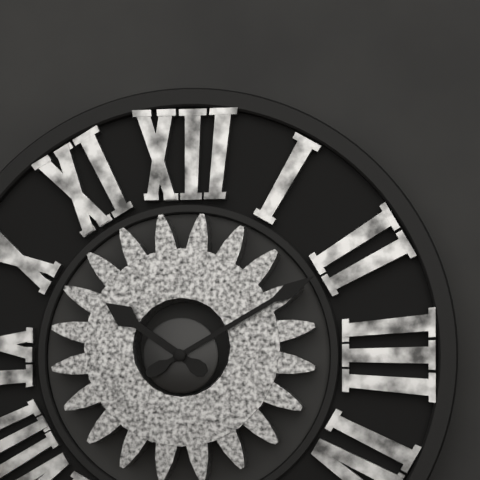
10,10
